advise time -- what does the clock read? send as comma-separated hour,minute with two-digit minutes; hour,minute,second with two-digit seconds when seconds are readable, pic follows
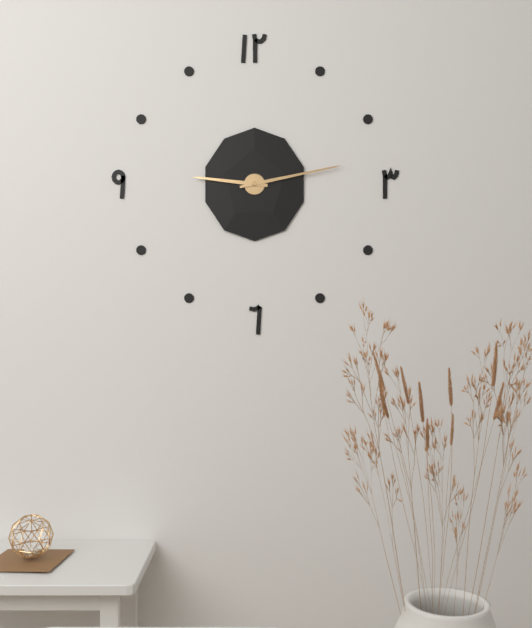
9,13
